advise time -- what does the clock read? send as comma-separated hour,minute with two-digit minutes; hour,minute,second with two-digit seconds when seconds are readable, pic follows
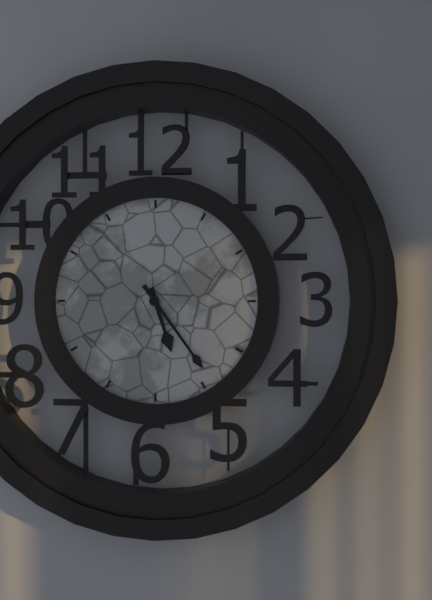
5,24
